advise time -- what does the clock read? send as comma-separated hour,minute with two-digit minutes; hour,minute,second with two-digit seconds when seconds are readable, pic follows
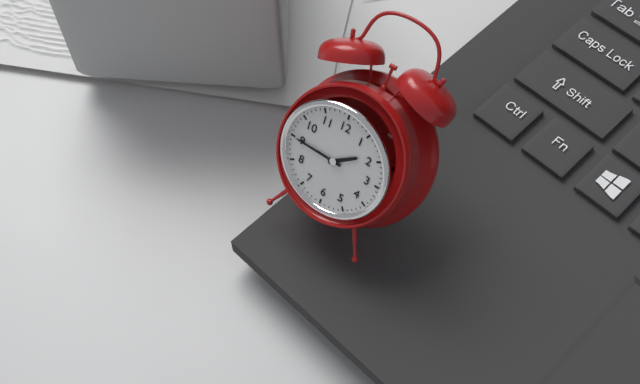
1,45
